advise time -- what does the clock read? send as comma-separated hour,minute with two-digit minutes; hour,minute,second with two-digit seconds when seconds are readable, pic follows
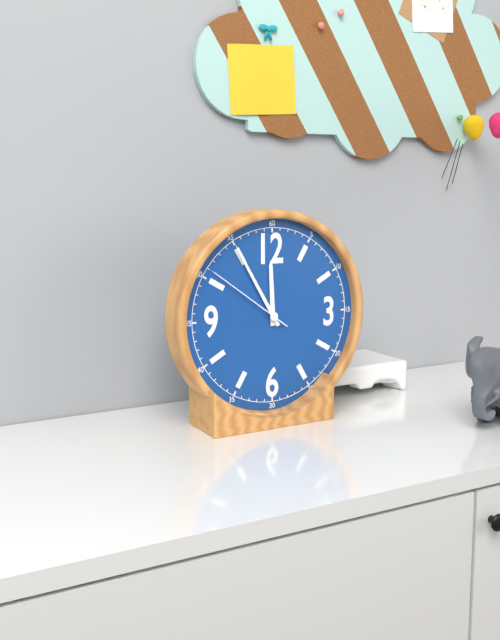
11,55,51
